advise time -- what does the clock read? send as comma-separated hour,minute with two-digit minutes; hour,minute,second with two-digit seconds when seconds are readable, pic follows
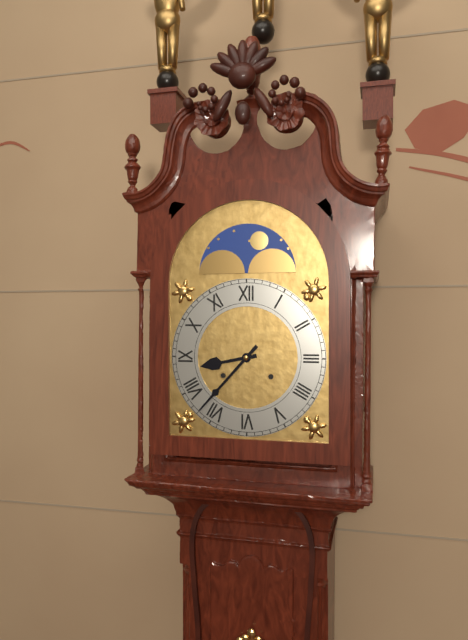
8,37
